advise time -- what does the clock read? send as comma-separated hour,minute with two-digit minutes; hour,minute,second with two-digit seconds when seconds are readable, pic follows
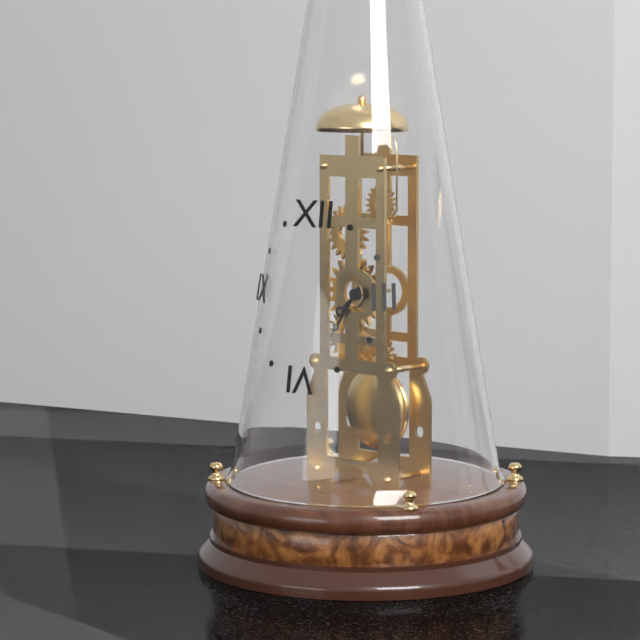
7,36
